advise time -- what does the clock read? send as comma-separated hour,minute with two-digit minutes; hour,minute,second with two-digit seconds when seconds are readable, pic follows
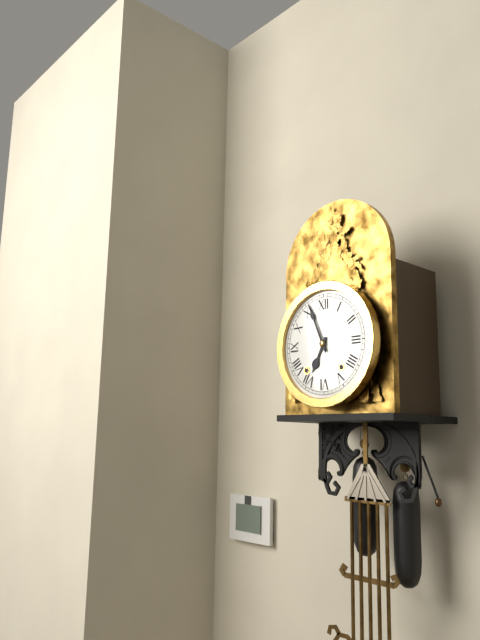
6,56
